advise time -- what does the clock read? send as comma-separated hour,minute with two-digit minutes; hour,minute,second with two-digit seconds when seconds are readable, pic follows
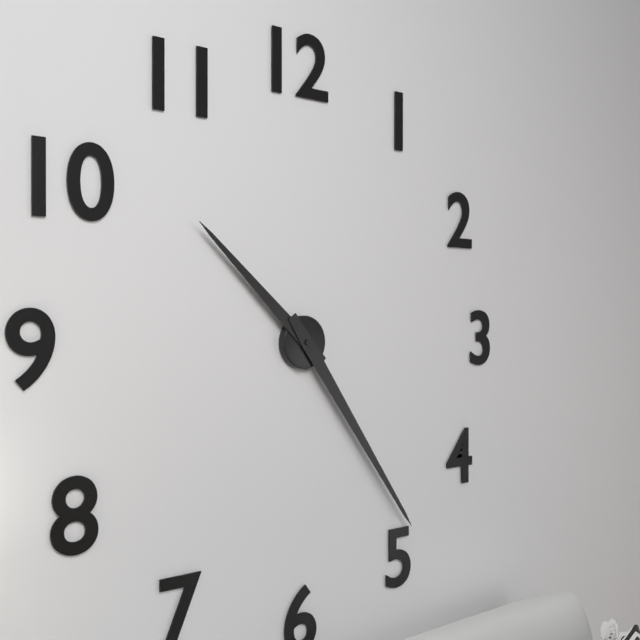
10,24
